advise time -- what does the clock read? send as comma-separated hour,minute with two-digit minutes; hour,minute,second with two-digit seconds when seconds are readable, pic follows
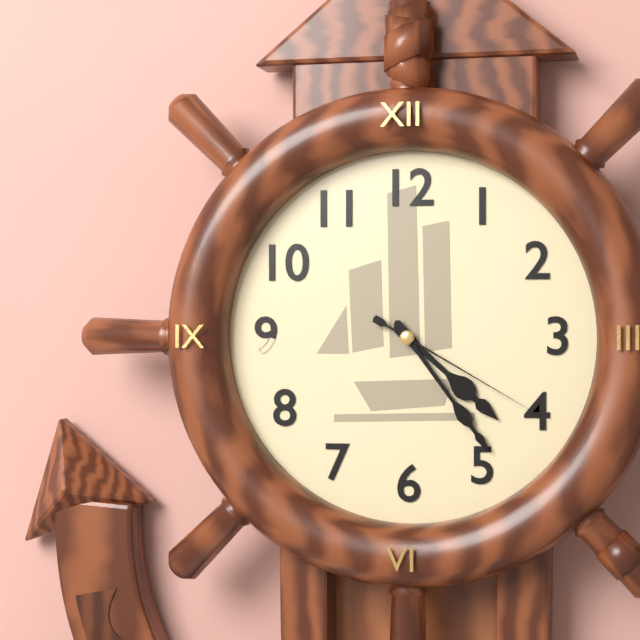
4,24,20
